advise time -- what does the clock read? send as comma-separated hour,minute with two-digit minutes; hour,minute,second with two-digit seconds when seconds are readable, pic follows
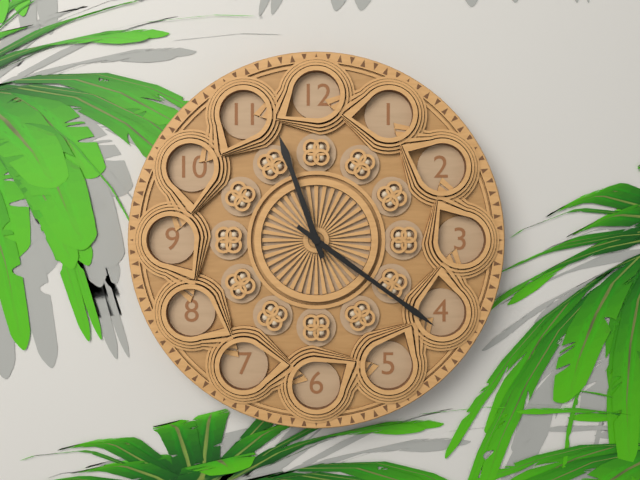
11,21
